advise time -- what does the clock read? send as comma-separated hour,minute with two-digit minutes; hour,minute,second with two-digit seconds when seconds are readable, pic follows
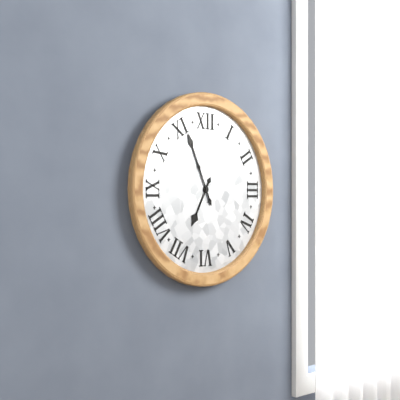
6,56
